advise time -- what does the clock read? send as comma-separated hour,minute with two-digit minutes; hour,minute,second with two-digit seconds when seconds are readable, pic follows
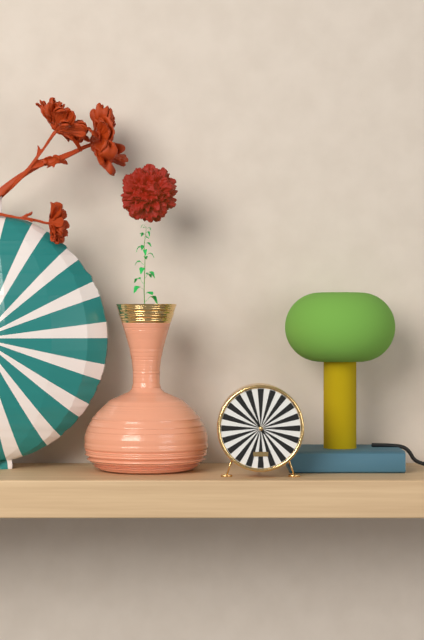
10,54
